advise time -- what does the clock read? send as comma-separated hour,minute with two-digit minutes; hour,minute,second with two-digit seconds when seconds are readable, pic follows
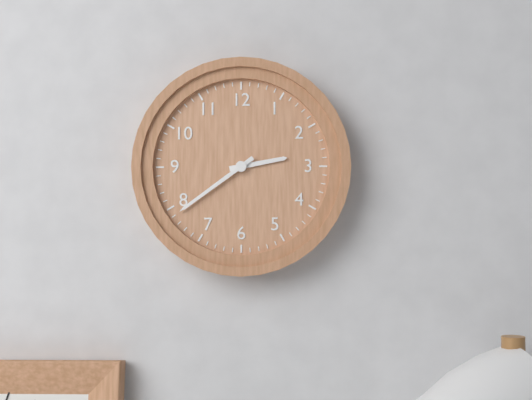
2,39
